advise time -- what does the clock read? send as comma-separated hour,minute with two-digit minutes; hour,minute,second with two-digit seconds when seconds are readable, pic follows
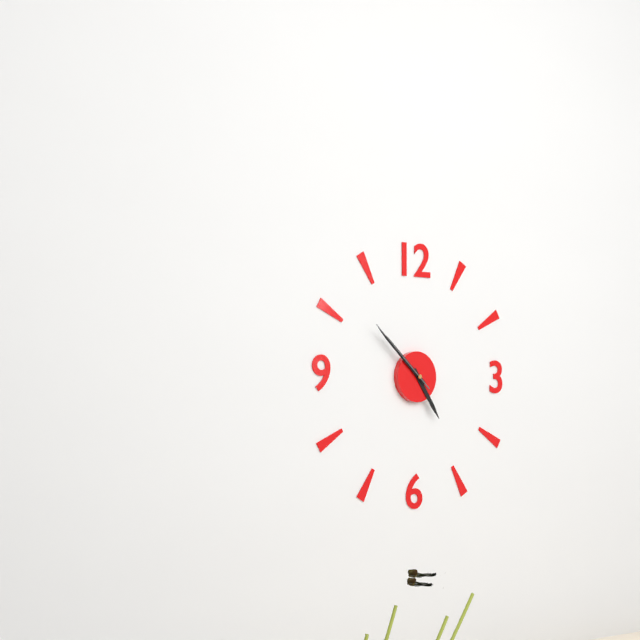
4,52,52
